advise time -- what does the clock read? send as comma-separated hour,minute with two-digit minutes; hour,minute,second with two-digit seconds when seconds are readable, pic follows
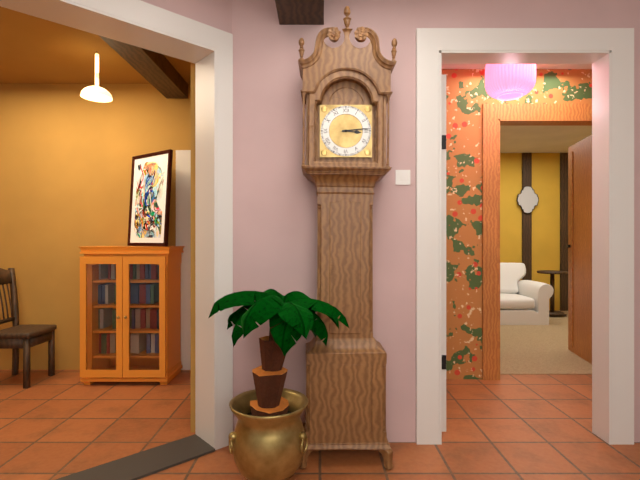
3,14
